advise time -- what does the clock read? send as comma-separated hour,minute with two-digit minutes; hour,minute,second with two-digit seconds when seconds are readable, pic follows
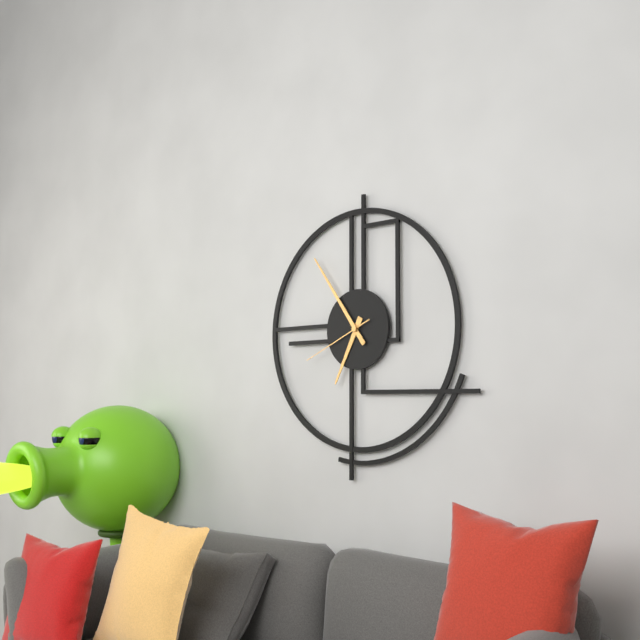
6,54,41
